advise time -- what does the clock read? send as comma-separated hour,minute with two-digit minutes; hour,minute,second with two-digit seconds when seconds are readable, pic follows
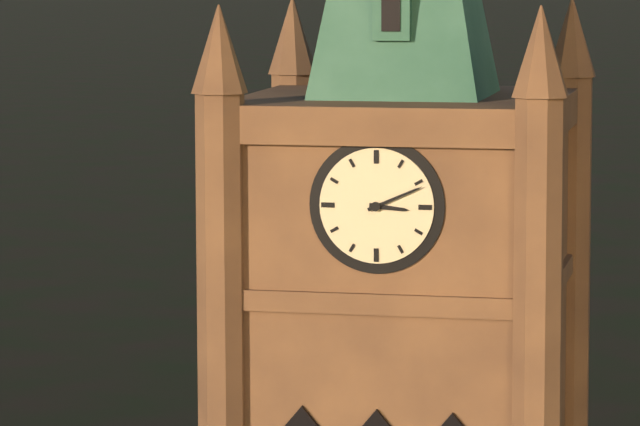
3,11
